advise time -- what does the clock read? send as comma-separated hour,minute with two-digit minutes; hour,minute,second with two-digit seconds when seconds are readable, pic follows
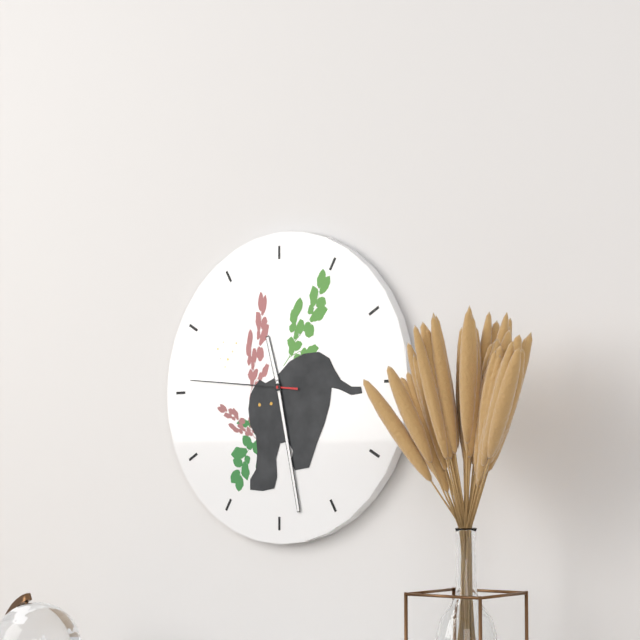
11,28,46
